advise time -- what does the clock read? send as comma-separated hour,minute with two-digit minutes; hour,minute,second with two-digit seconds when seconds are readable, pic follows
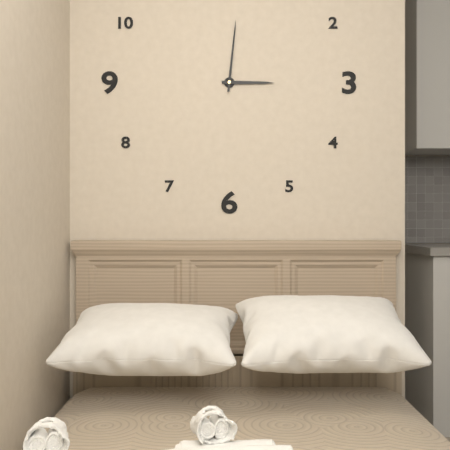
3,01
